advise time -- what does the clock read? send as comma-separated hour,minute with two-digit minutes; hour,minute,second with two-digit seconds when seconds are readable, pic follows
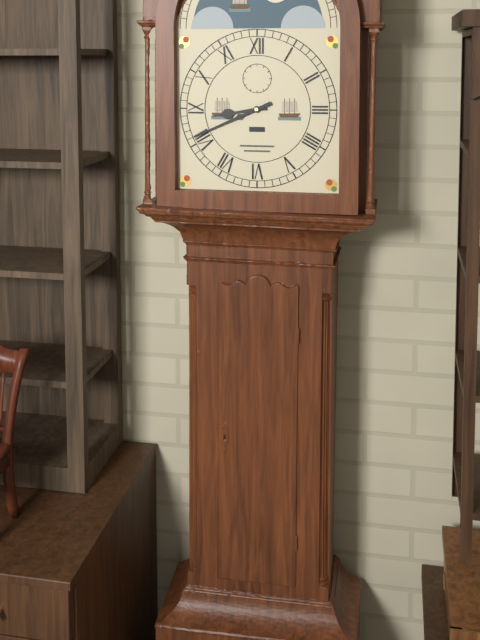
8,41
